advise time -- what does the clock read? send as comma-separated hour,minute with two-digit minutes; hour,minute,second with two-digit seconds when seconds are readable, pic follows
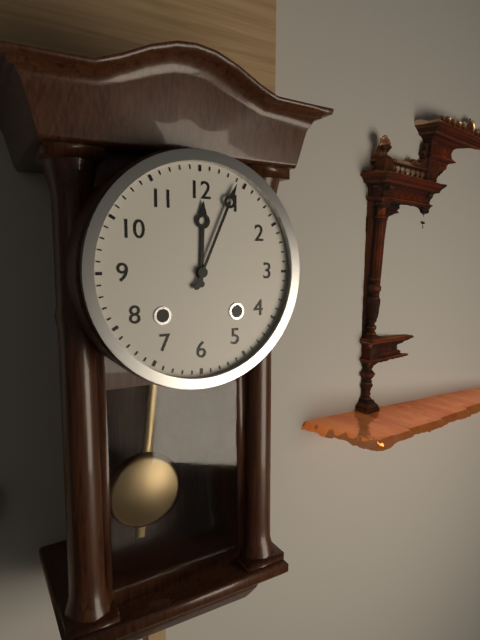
12,04
